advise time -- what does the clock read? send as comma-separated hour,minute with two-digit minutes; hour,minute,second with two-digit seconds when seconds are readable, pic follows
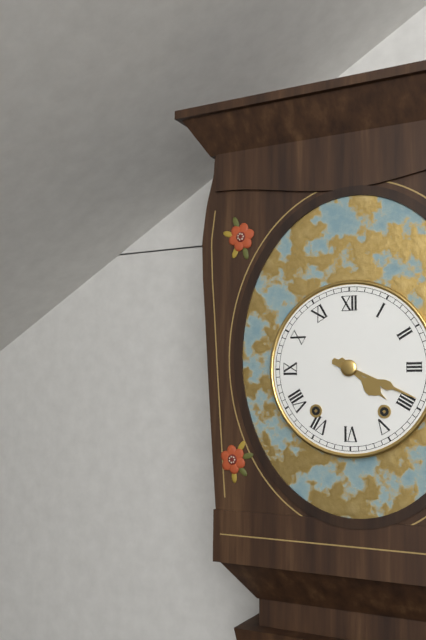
4,19
